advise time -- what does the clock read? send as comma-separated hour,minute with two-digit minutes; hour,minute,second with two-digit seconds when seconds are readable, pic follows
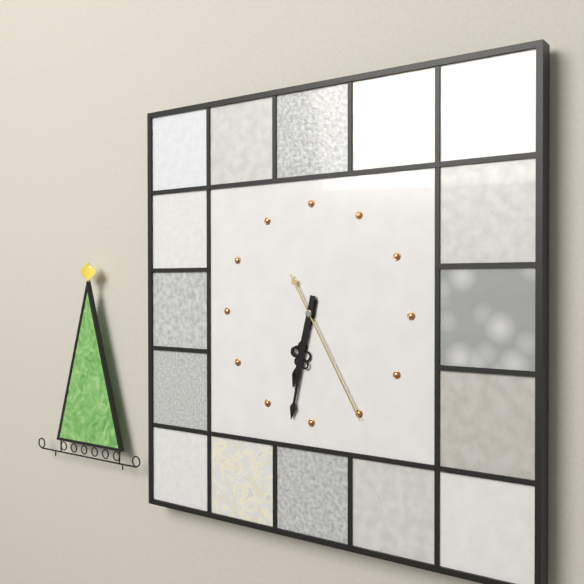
6,32,25
